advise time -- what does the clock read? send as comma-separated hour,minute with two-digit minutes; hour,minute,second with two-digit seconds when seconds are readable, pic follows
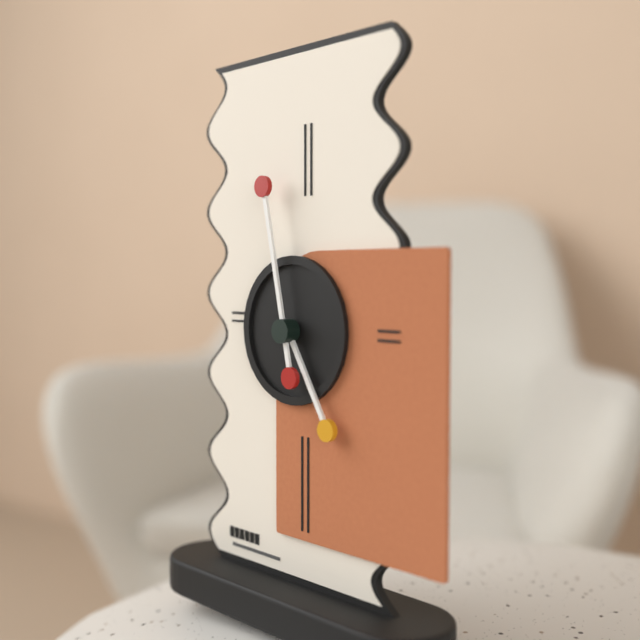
4,58
